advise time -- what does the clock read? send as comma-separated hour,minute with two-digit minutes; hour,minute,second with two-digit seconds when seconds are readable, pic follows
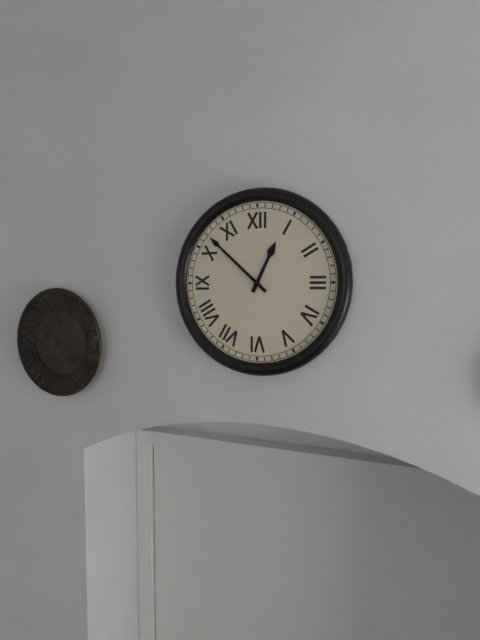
12,52
